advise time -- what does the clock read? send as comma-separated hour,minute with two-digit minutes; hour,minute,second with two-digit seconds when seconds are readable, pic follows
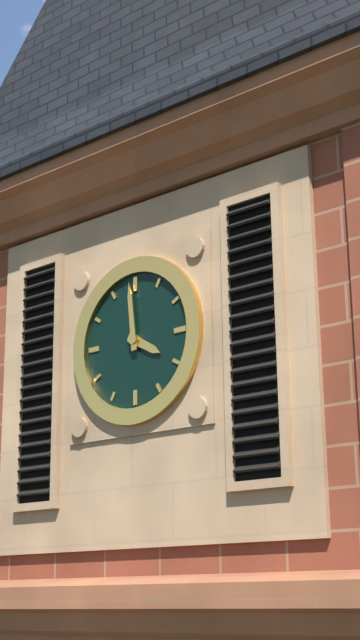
3,59
